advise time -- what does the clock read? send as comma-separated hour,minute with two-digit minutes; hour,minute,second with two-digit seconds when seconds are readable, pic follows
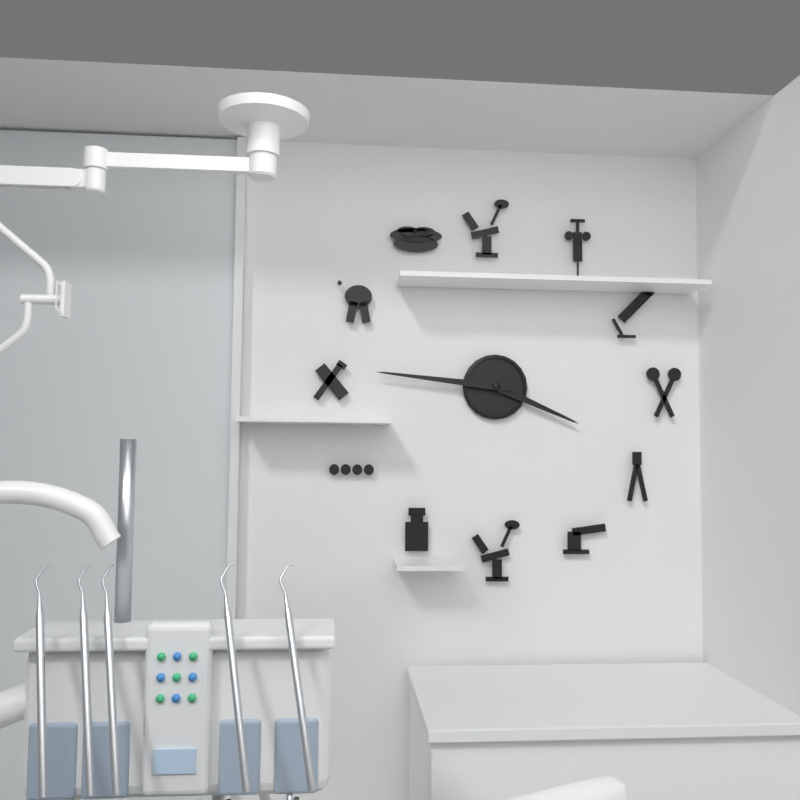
3,46
